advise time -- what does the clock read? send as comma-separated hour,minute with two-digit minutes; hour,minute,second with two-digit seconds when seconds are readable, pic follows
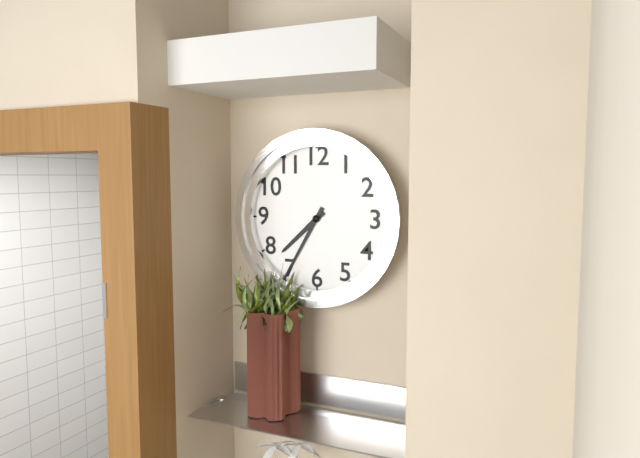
7,35
